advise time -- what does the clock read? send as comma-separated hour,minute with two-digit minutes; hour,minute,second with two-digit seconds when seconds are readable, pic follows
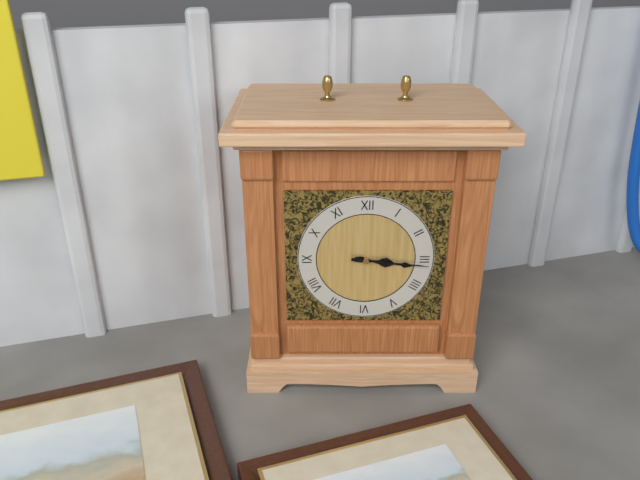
3,16
